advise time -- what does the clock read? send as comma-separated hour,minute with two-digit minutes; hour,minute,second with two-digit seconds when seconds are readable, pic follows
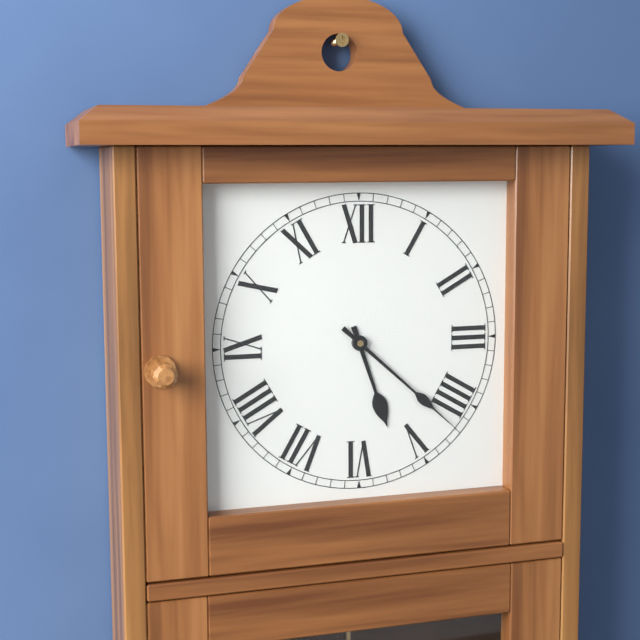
5,22
